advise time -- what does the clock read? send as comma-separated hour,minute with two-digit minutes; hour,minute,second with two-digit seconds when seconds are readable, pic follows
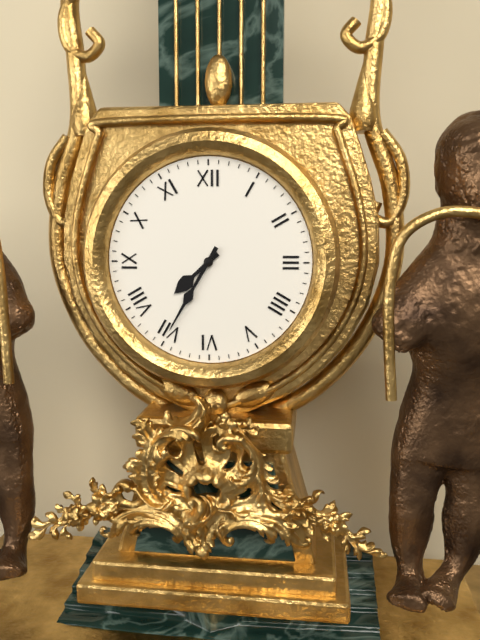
7,35
